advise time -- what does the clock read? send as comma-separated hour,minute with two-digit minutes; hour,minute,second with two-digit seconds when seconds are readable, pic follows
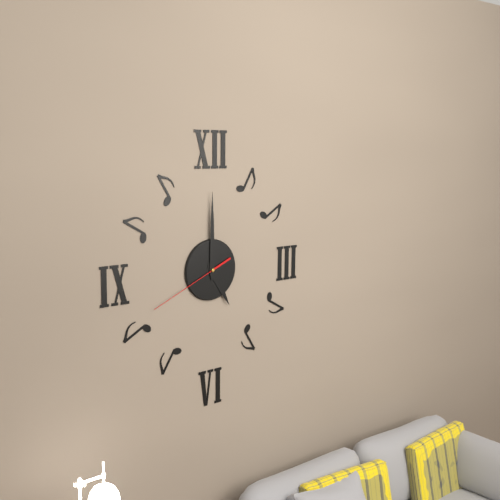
5,00,41
